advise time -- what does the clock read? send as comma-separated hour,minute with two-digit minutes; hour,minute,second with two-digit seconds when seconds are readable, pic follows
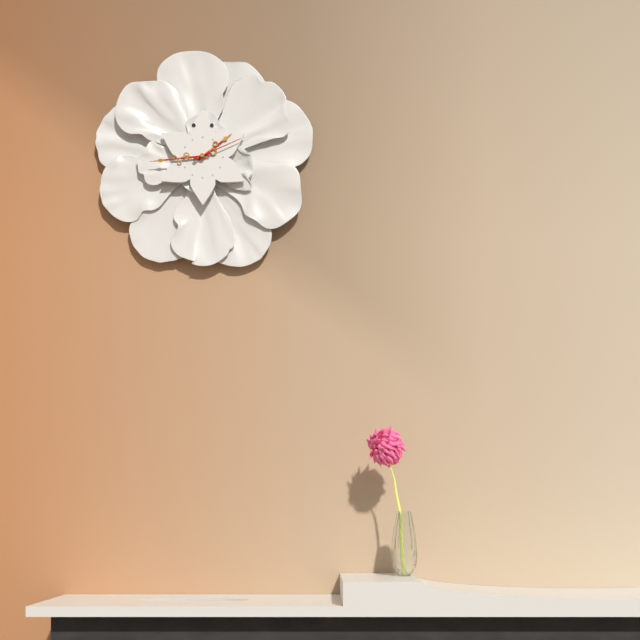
1,44,11
